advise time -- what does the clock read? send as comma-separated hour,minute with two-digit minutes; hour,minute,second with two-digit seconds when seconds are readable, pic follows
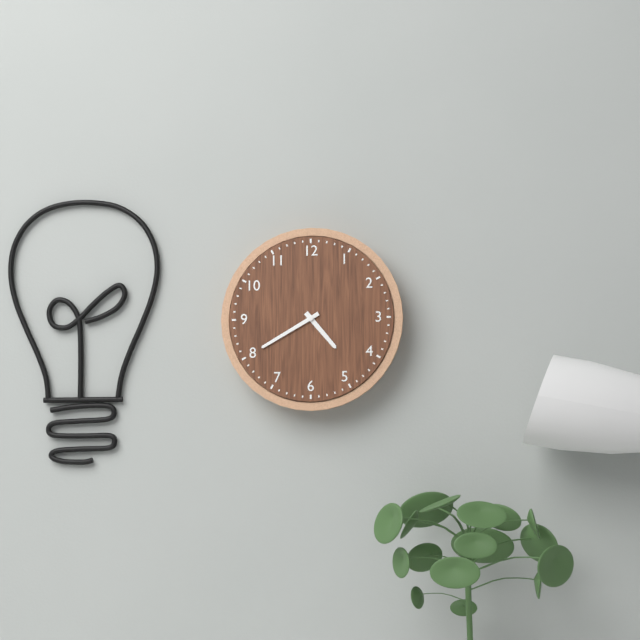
4,40
